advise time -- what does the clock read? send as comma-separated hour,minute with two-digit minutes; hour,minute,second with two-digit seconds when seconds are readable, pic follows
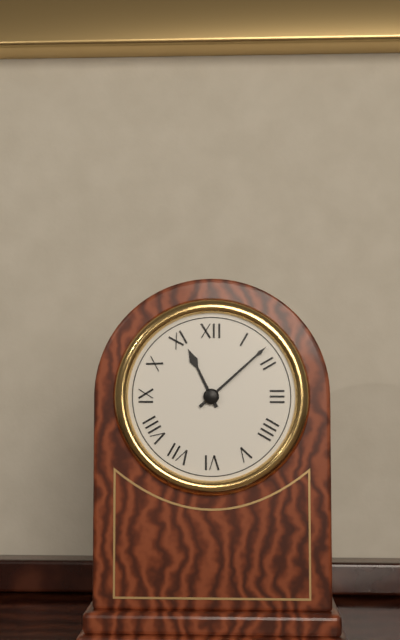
11,08
